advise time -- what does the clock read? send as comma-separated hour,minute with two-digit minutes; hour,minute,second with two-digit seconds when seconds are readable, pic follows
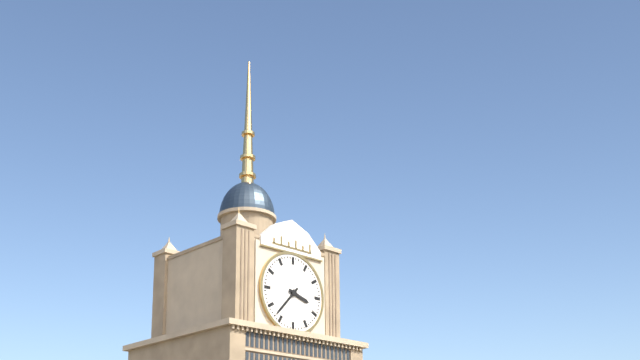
3,37
